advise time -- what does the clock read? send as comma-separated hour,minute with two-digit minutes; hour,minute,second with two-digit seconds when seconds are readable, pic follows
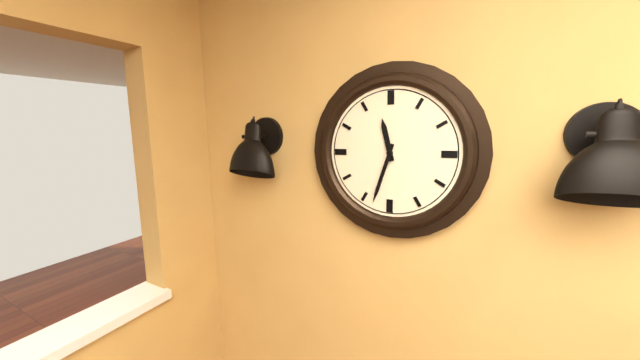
11,33
